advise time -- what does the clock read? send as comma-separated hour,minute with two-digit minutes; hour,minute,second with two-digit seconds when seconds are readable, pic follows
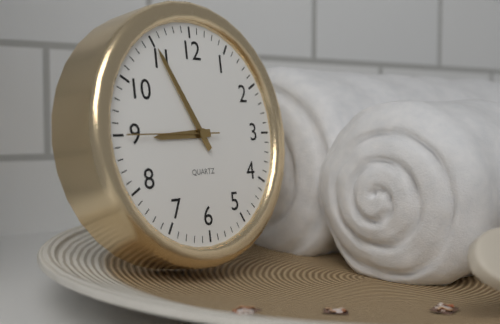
8,55,45
